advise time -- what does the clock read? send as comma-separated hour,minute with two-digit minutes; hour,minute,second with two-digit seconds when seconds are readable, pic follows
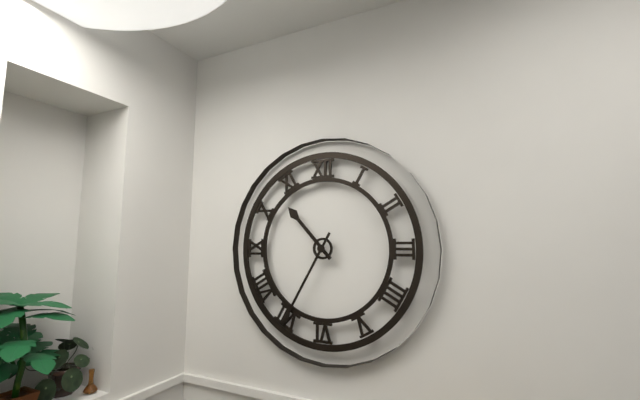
10,35
